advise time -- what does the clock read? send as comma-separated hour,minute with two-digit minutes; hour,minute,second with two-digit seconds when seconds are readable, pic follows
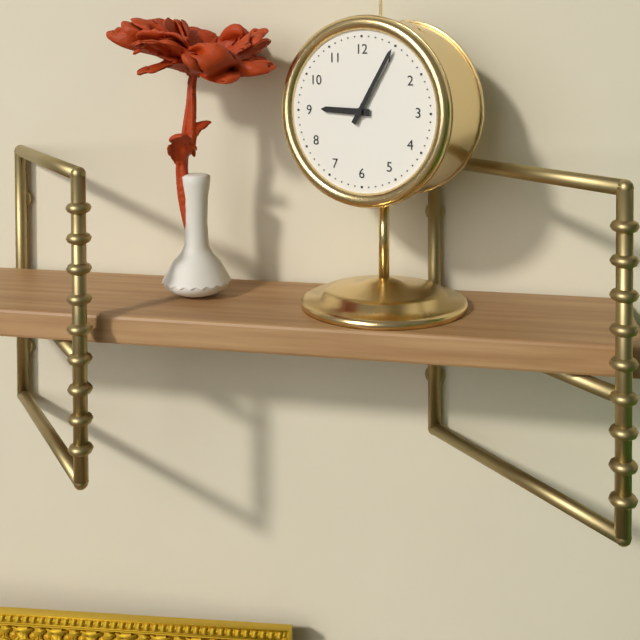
9,05
